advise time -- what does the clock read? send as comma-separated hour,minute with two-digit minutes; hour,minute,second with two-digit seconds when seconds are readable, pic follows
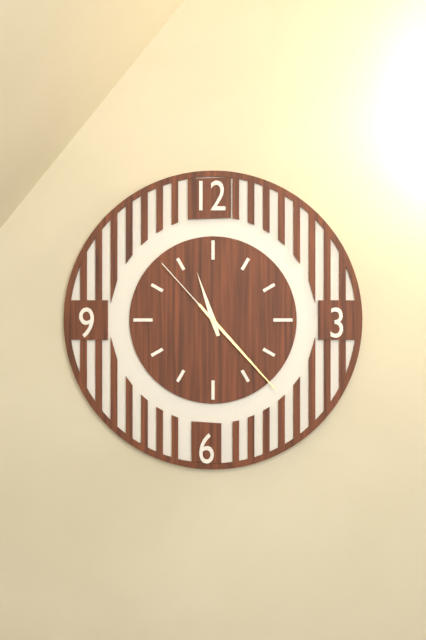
11,23,53
